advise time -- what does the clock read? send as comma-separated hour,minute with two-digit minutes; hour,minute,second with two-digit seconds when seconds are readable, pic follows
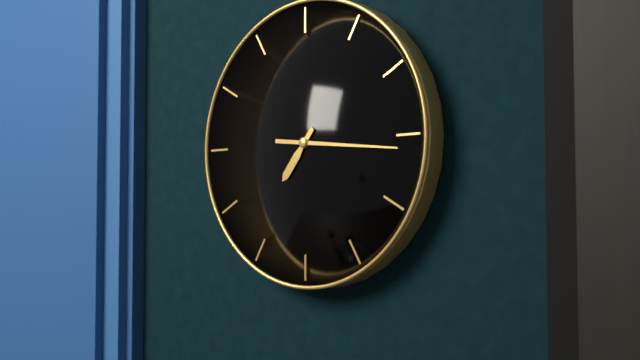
7,16
